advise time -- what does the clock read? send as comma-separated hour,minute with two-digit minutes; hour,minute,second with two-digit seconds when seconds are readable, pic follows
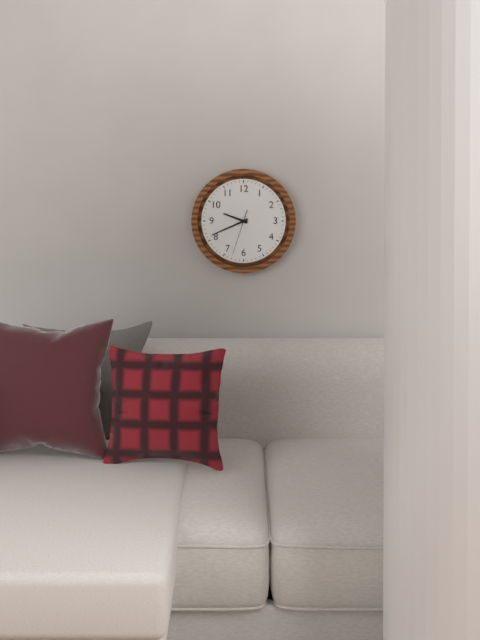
9,41
